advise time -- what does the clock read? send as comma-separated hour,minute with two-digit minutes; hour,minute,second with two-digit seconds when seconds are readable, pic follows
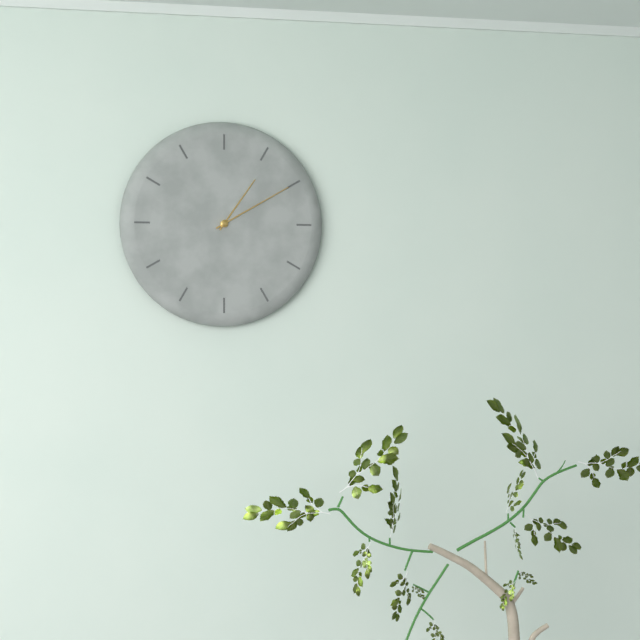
1,10
